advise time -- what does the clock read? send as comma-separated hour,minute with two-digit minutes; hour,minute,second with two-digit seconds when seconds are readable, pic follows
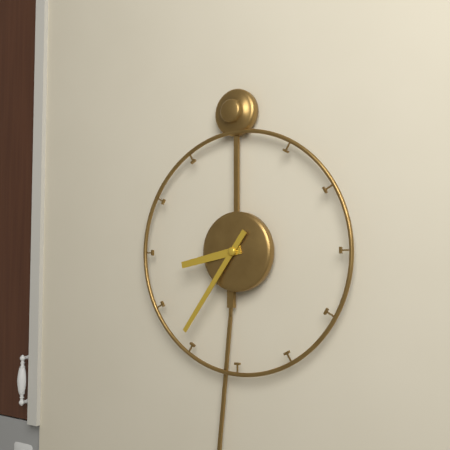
8,36
